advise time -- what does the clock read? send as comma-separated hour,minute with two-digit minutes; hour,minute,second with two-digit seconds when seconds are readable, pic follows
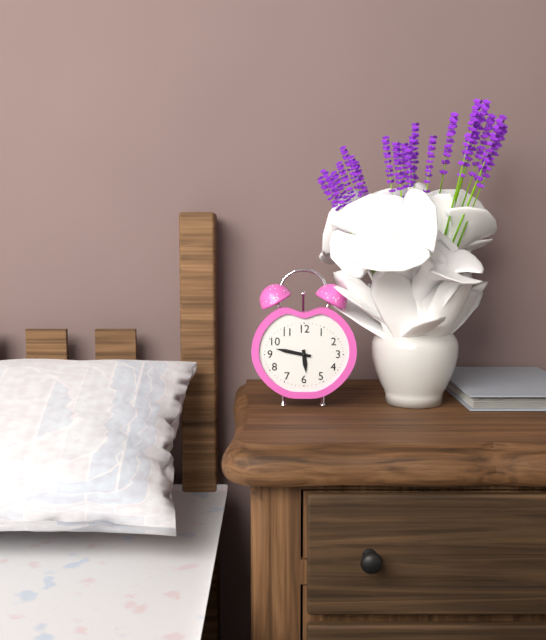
5,47
